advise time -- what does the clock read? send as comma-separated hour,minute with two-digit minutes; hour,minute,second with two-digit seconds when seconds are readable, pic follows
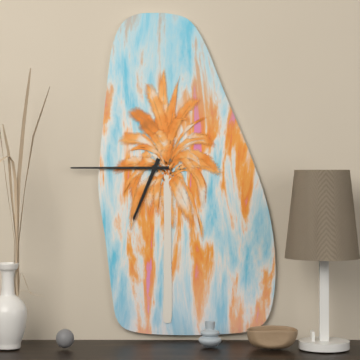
6,45
